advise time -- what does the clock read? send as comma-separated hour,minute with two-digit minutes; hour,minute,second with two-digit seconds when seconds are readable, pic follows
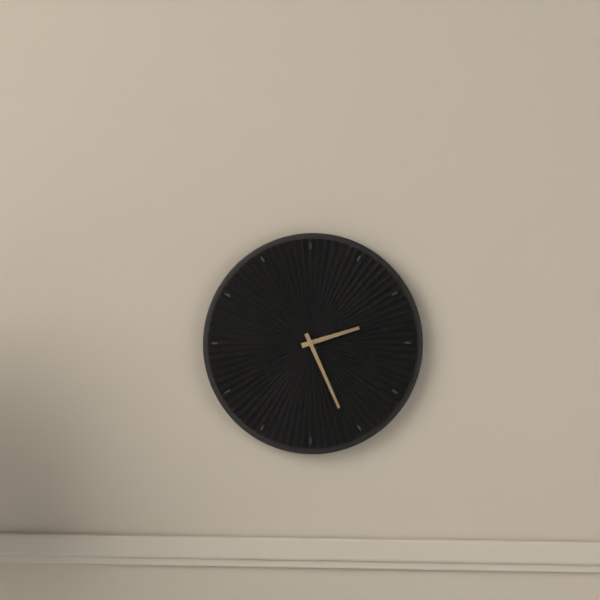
2,26
